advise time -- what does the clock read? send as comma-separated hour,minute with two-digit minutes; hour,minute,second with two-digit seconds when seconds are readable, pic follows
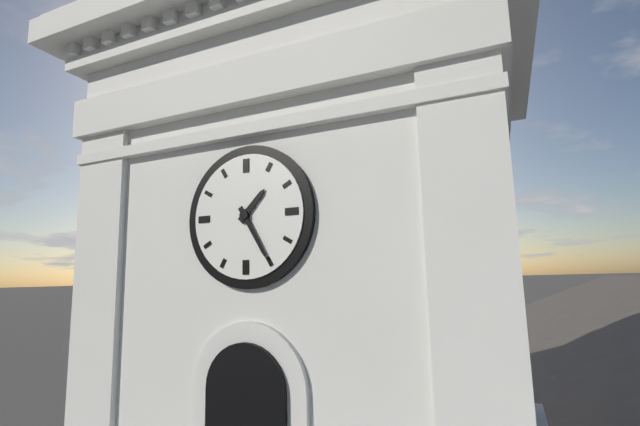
1,25
